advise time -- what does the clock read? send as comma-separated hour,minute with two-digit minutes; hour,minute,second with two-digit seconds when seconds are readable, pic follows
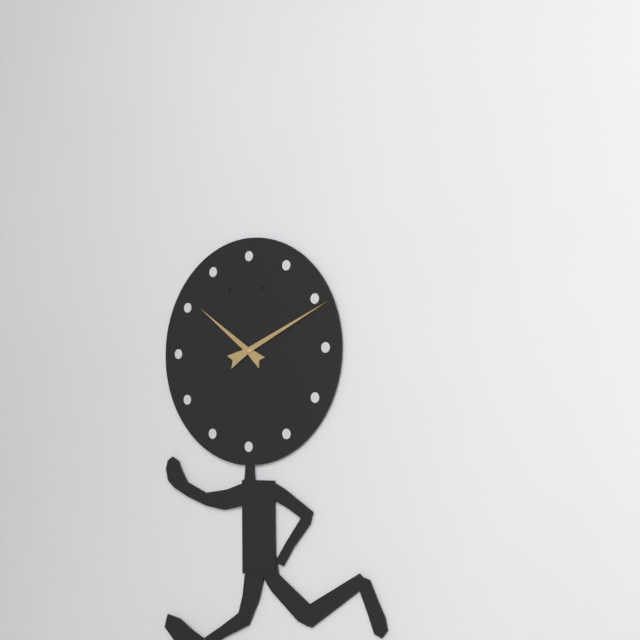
10,11
